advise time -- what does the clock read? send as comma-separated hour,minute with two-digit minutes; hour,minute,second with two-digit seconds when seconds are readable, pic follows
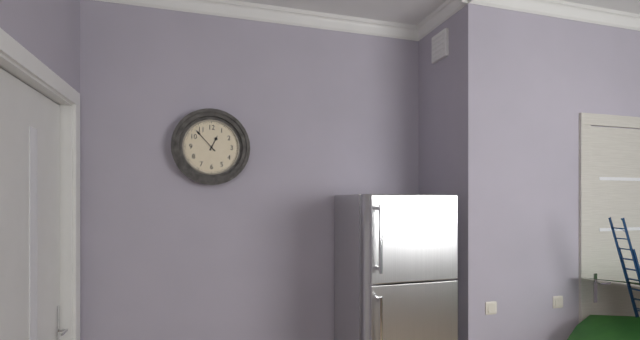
12,53
